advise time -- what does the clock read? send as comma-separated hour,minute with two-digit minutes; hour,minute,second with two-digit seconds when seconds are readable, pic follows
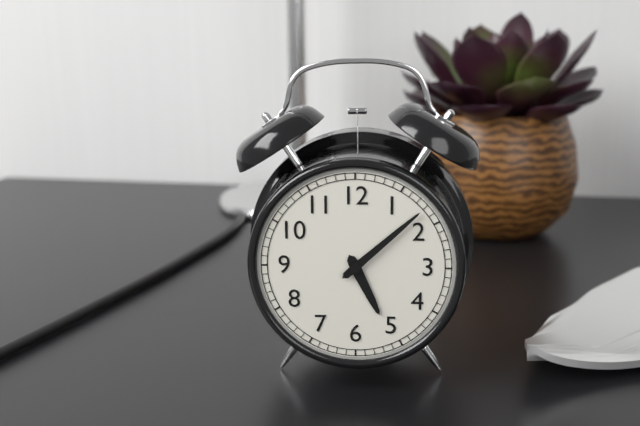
5,08
